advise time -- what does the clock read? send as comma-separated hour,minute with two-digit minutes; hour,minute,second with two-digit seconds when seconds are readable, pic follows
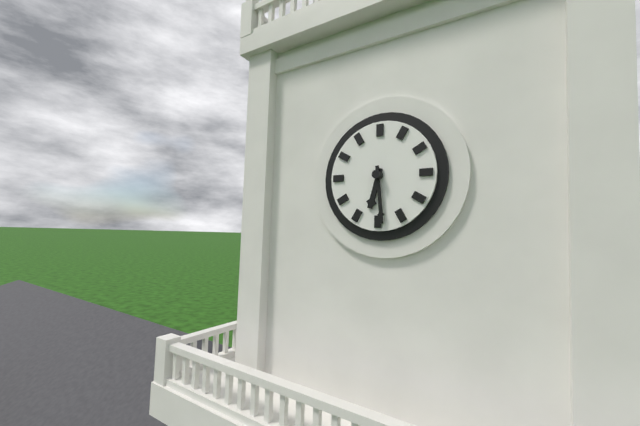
6,29
